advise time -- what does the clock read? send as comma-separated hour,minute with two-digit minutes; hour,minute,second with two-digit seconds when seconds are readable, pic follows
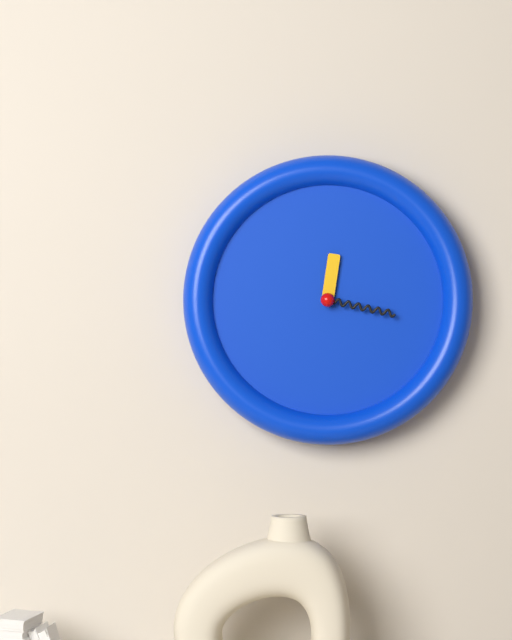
12,17
